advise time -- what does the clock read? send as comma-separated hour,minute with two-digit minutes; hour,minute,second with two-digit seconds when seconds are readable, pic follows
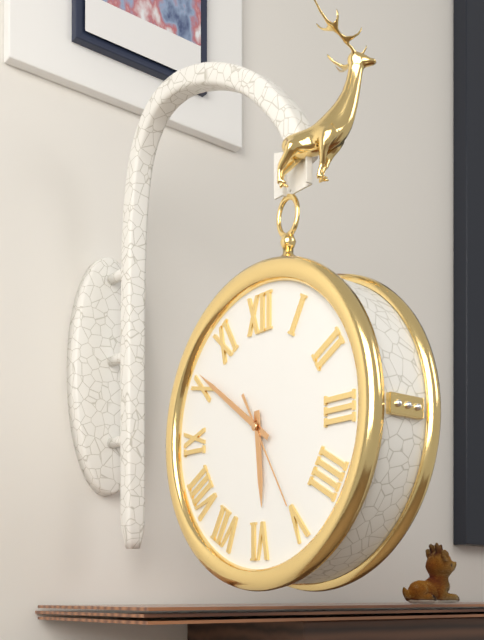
5,51,25
